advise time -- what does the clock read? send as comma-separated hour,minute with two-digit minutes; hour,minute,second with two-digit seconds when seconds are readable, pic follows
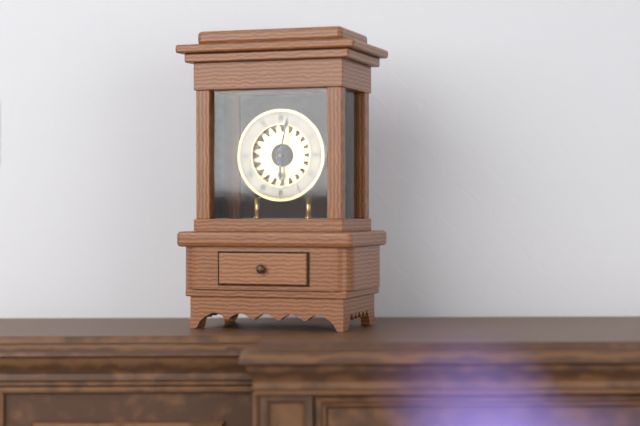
6,02
